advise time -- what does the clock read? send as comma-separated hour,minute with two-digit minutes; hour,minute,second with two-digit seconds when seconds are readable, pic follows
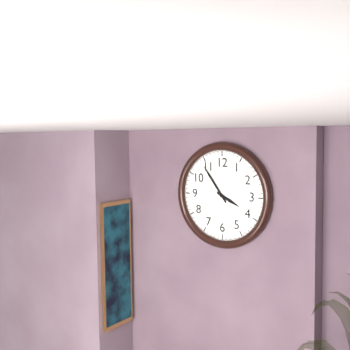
3,54
